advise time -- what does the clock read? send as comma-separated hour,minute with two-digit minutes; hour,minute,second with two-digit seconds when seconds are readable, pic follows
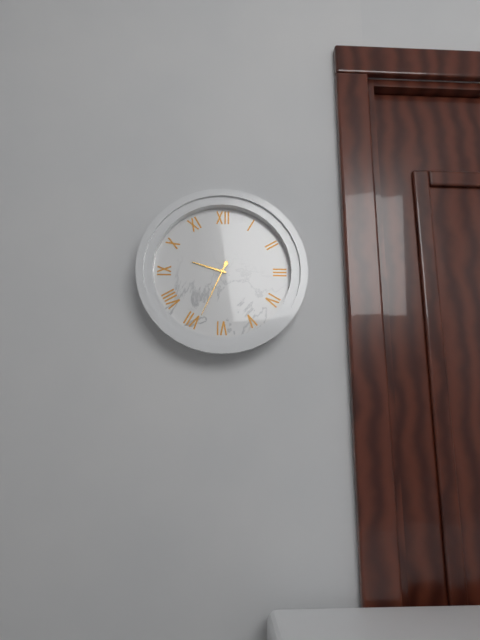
9,34
